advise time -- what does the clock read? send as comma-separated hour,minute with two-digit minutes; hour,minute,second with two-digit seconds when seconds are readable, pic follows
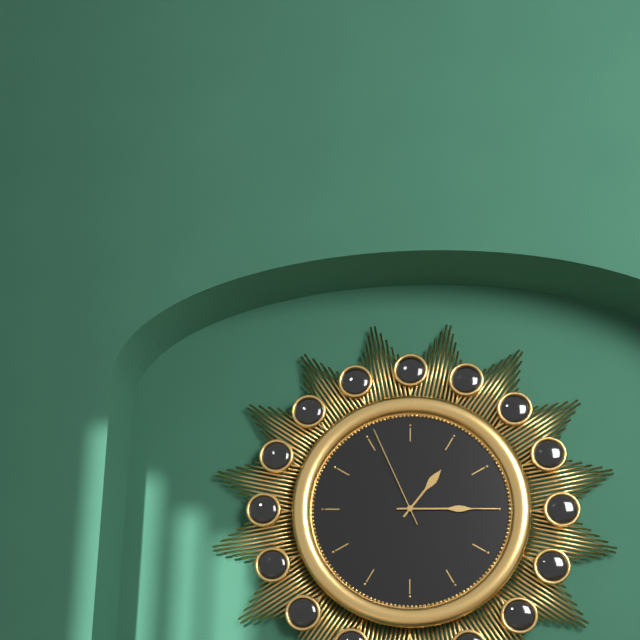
1,15,56
